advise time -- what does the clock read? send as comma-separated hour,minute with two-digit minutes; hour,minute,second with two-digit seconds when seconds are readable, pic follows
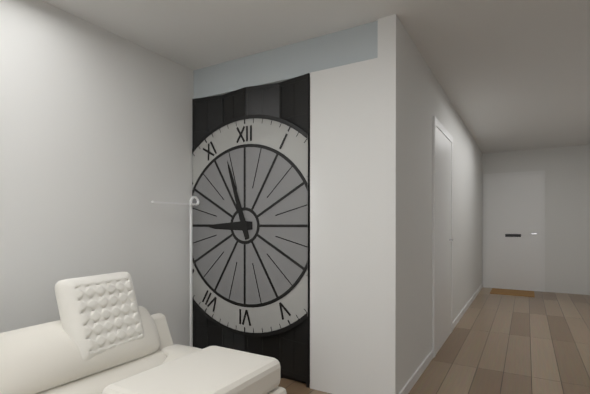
8,57
